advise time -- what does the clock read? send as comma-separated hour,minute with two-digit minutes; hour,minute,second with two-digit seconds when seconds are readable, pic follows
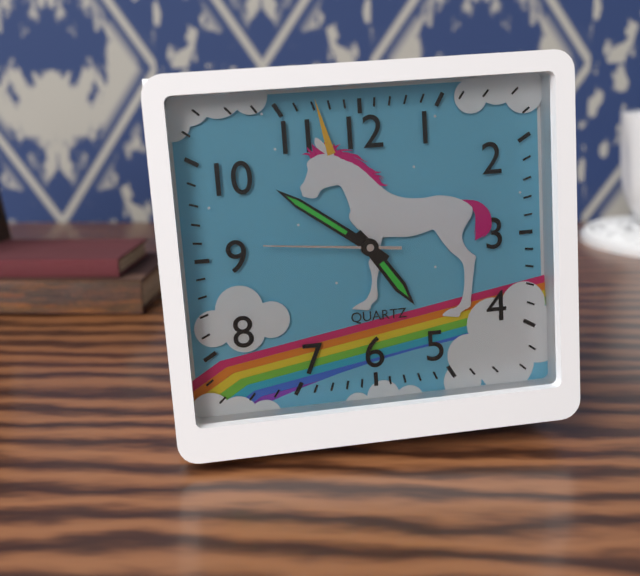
4,51,46
